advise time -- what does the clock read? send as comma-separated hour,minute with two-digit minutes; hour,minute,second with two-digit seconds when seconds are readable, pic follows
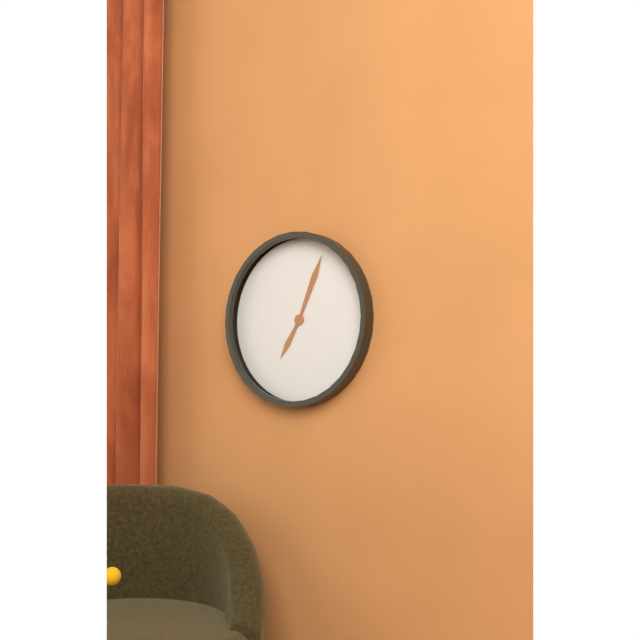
7,04
